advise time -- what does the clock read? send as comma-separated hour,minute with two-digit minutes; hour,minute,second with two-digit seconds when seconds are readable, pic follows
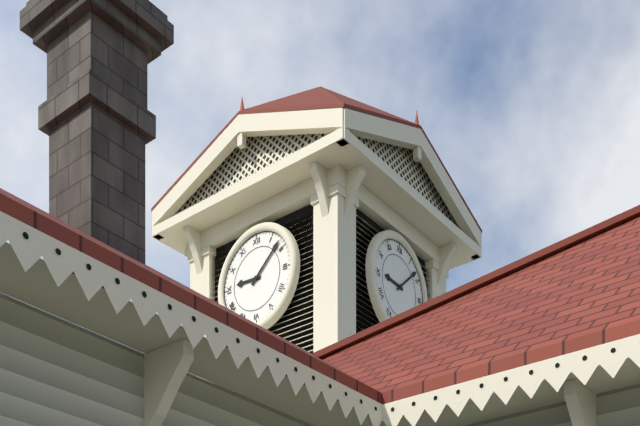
9,08
